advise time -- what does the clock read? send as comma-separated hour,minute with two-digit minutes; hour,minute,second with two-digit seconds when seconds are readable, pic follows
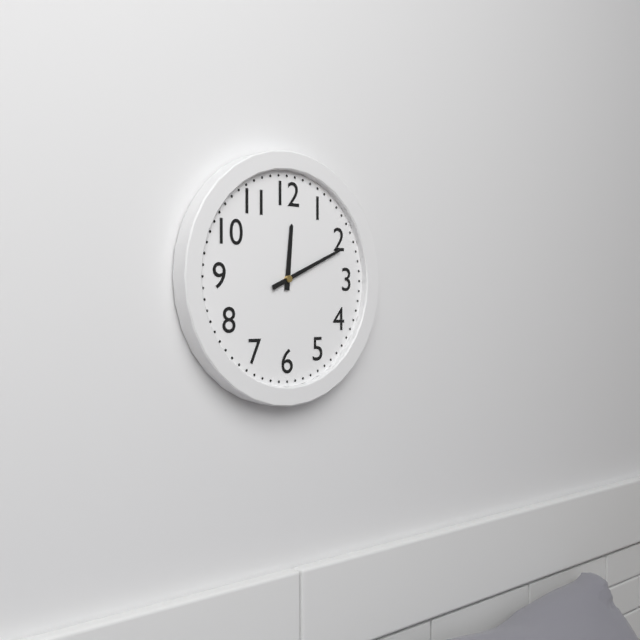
12,11
